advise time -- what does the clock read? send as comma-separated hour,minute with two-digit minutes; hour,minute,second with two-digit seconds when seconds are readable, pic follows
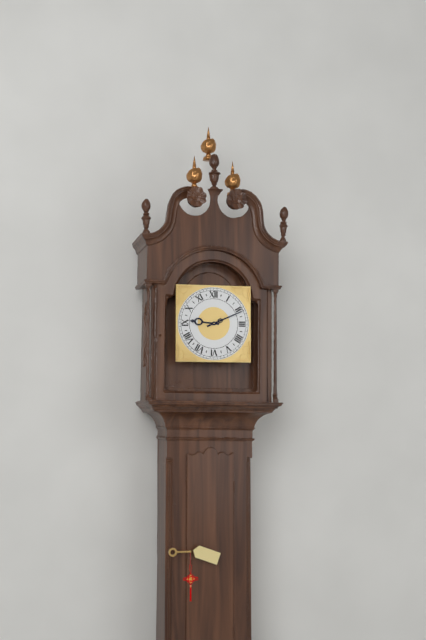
9,11
